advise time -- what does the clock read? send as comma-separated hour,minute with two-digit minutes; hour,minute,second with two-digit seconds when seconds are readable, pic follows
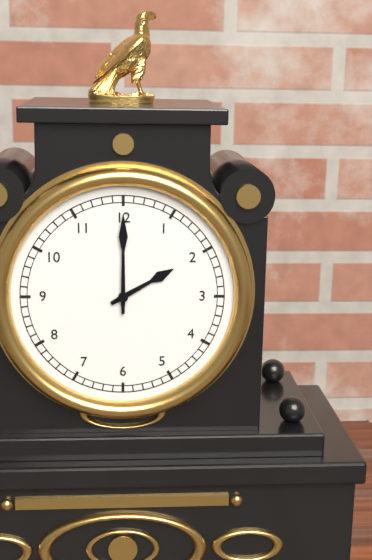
2,00
